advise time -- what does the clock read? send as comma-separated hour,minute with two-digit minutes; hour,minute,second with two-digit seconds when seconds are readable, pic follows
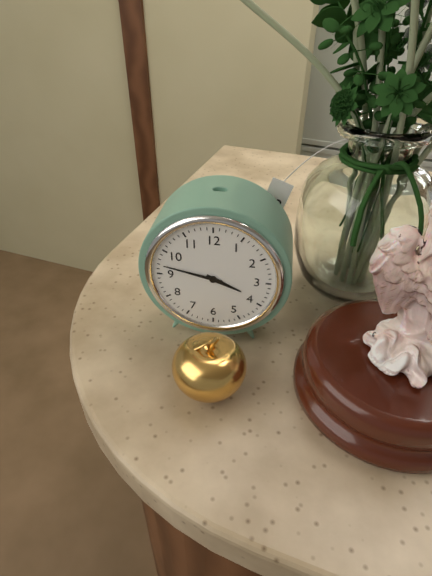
3,47
